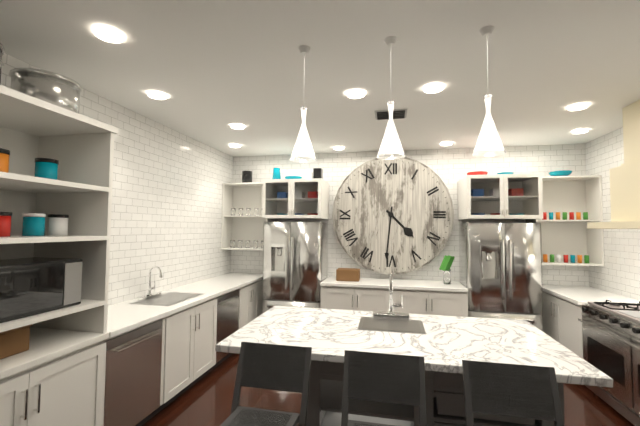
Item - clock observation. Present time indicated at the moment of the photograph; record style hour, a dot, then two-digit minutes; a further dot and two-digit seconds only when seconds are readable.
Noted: 4.31
